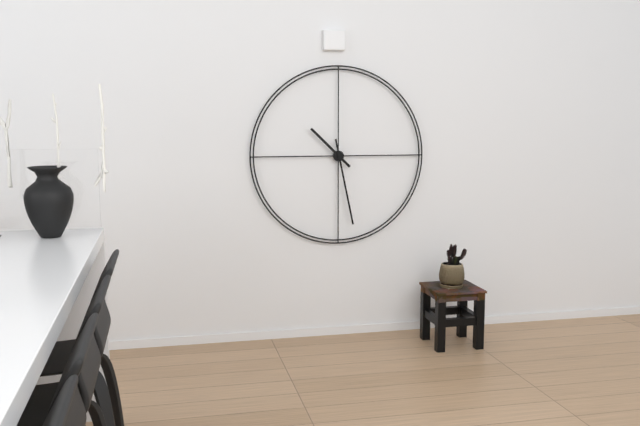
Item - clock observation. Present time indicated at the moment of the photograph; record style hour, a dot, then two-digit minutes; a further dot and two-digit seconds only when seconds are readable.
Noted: 10.28
